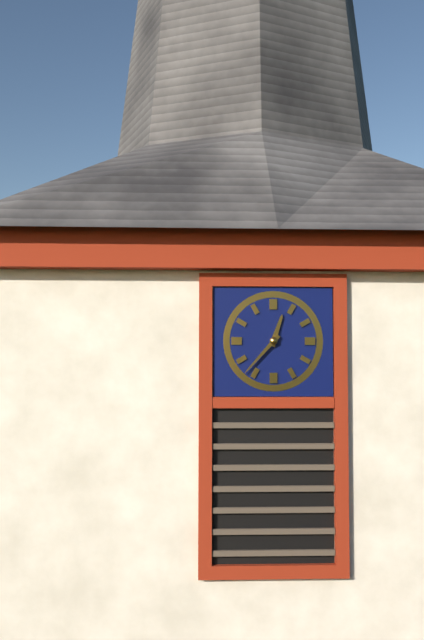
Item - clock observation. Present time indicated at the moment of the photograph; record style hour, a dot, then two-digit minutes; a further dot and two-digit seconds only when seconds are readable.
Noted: 12.37
